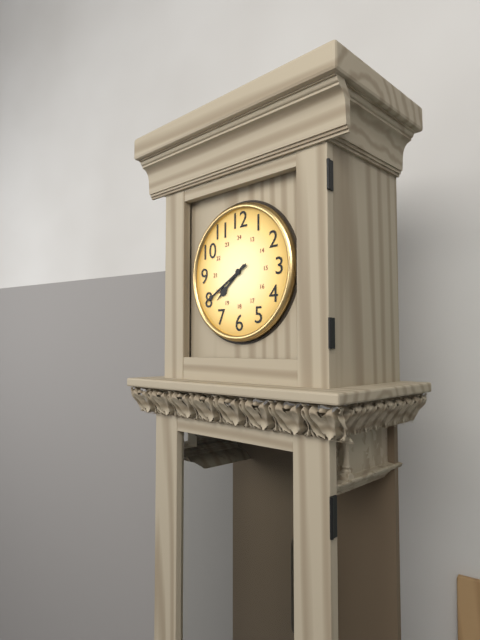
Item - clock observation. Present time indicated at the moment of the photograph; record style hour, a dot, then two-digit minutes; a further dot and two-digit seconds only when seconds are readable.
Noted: 7.40
